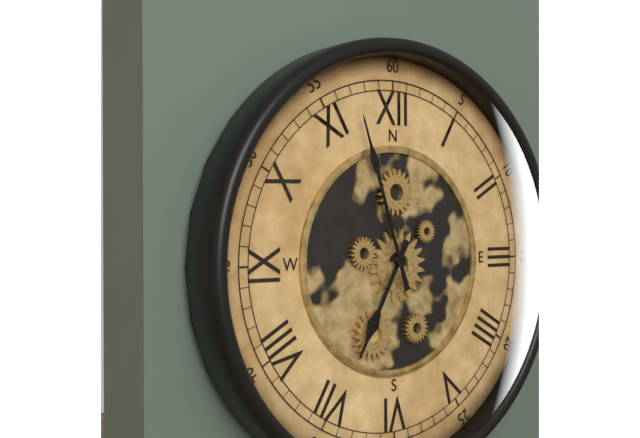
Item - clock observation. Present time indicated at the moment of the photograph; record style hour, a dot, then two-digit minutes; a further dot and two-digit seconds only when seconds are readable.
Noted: 6.57
